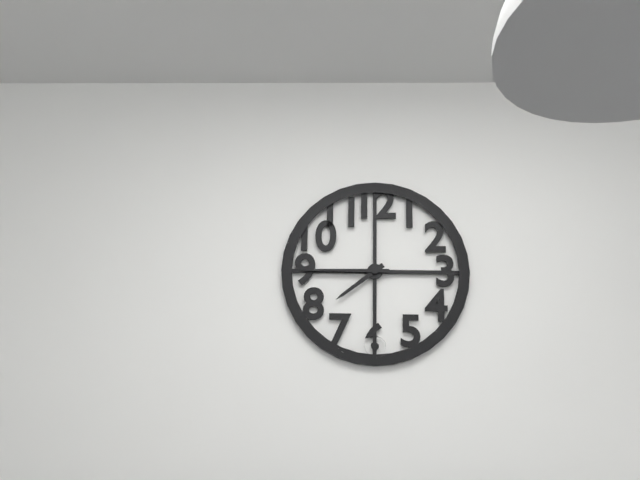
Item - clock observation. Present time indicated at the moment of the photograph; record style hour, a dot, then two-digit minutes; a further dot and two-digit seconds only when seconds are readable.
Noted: 7.45
